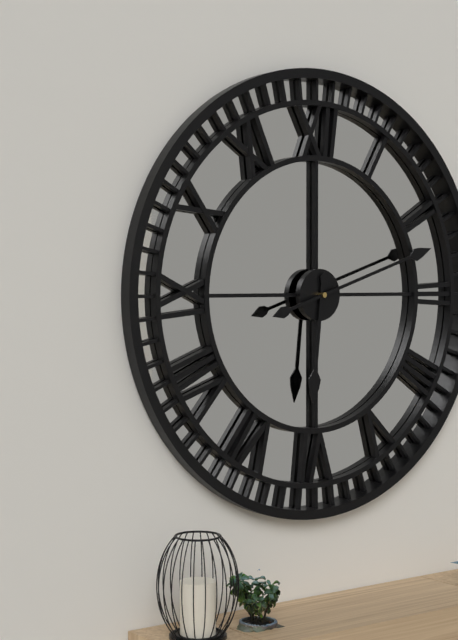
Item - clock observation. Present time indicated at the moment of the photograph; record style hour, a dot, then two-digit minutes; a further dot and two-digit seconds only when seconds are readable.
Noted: 6.12
